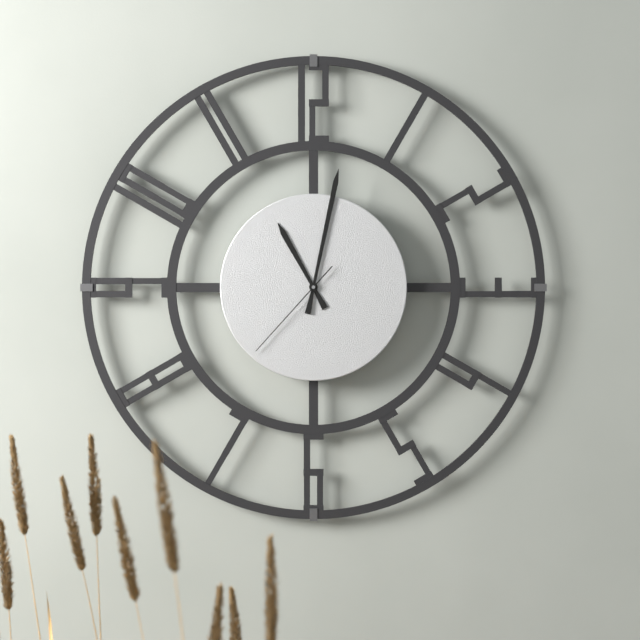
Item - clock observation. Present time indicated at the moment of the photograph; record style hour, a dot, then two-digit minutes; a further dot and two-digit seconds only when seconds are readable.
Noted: 11.02.37
